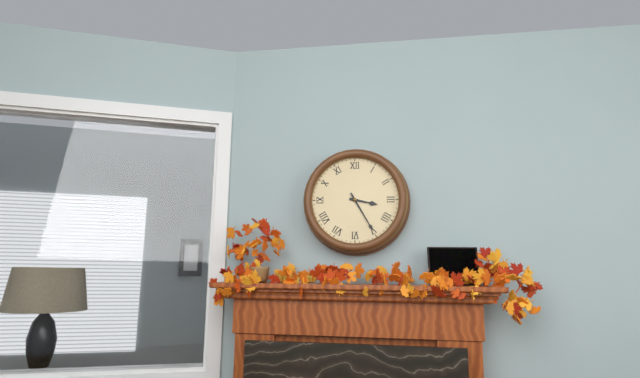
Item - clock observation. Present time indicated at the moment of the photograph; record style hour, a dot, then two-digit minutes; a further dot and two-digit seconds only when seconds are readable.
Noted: 3.25
